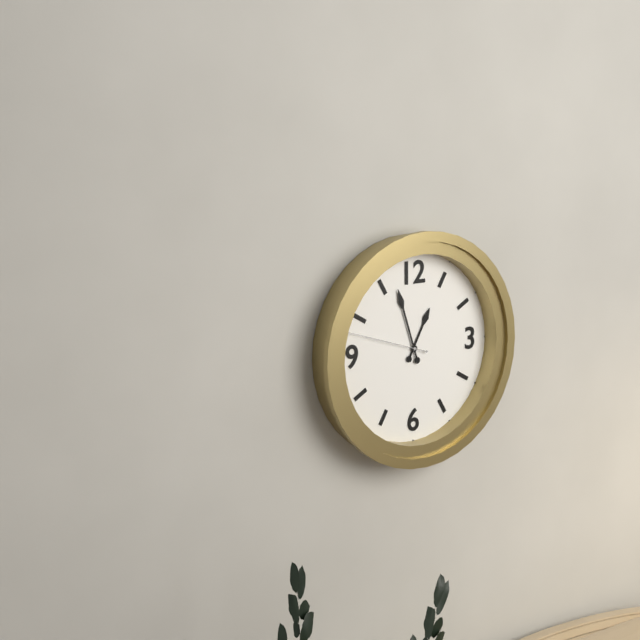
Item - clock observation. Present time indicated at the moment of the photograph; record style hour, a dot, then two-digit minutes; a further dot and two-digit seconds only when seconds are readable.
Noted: 12.57.48
